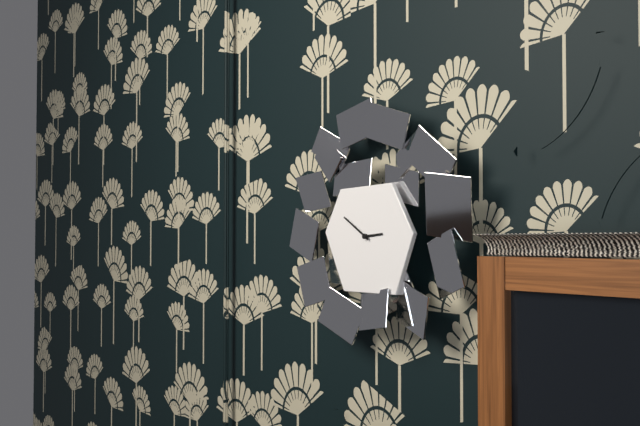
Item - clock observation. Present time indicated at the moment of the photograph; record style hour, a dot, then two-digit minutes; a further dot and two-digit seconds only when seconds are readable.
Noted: 2.50
